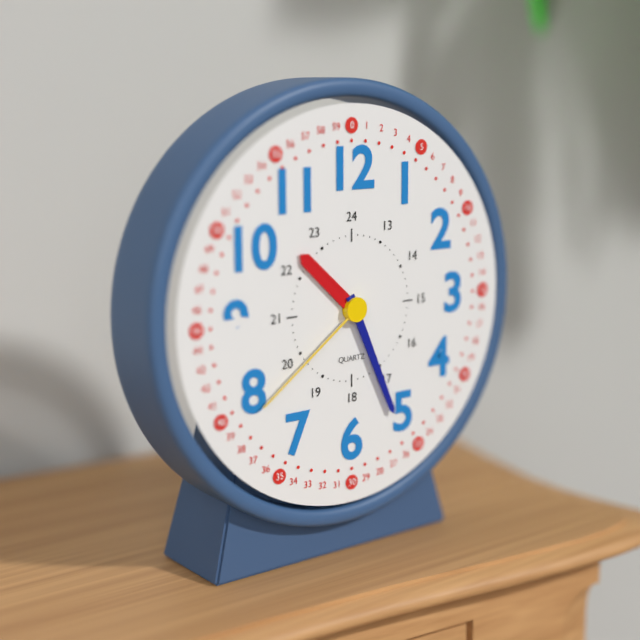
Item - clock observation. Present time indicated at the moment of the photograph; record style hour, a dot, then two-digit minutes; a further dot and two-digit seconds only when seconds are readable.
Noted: 10.26.39
